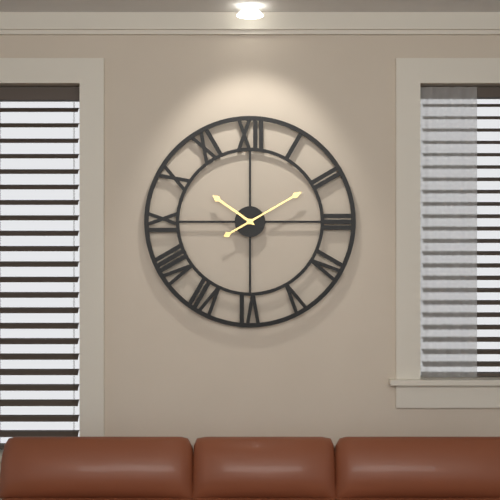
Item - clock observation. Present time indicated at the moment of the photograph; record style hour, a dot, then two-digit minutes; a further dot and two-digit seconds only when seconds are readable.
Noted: 10.10
